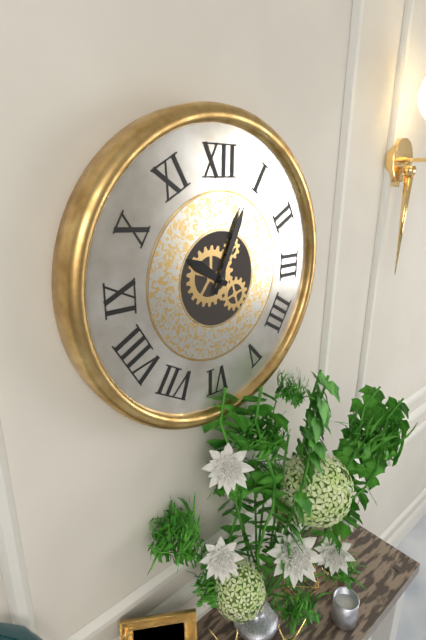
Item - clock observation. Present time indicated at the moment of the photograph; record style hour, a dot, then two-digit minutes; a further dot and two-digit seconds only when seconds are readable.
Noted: 10.04
